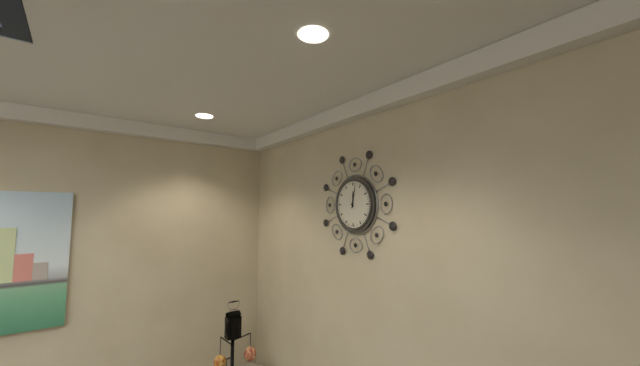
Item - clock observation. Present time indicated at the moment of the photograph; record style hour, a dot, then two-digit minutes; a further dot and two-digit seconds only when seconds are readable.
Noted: 12.02
